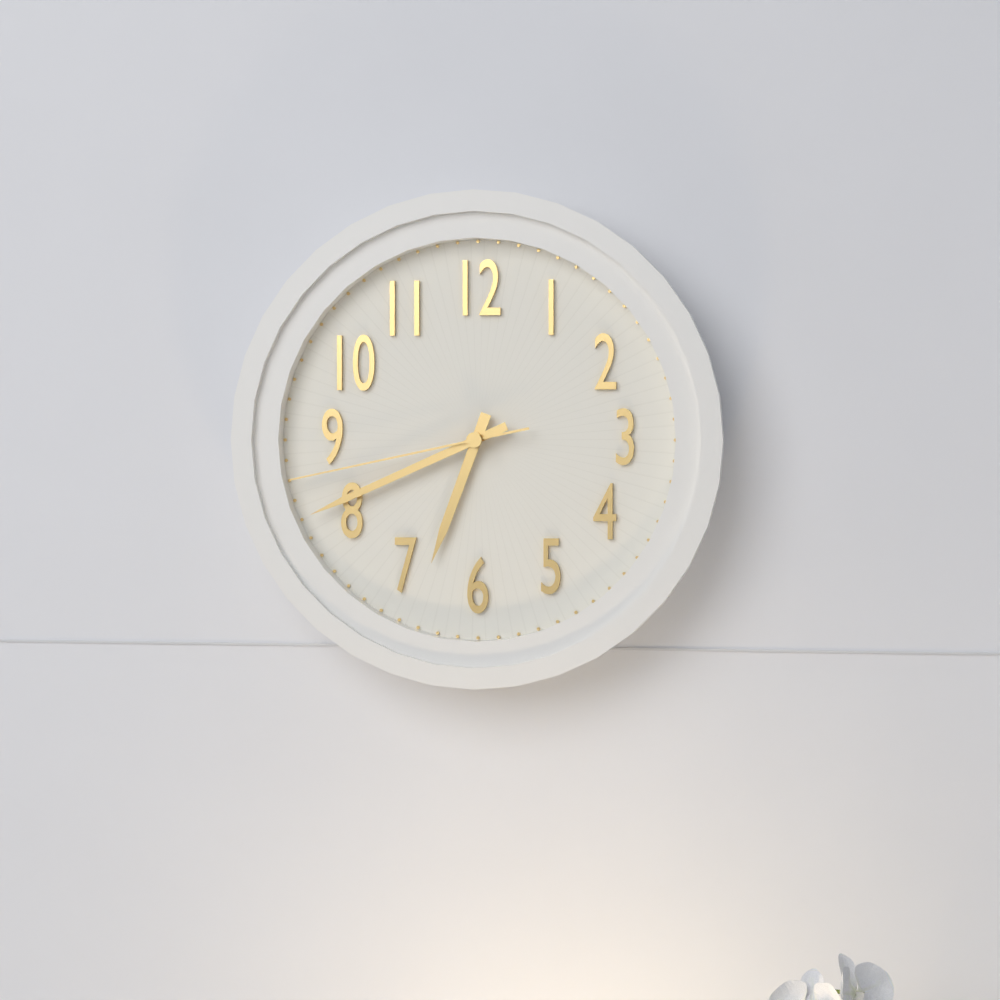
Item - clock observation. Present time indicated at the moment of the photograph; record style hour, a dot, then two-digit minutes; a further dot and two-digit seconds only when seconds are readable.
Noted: 6.41.43
